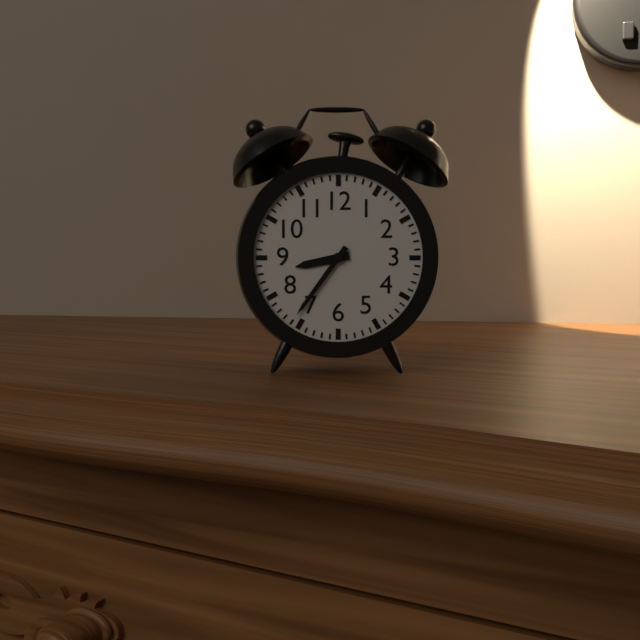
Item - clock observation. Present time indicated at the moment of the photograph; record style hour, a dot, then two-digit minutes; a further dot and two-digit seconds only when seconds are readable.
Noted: 8.36
